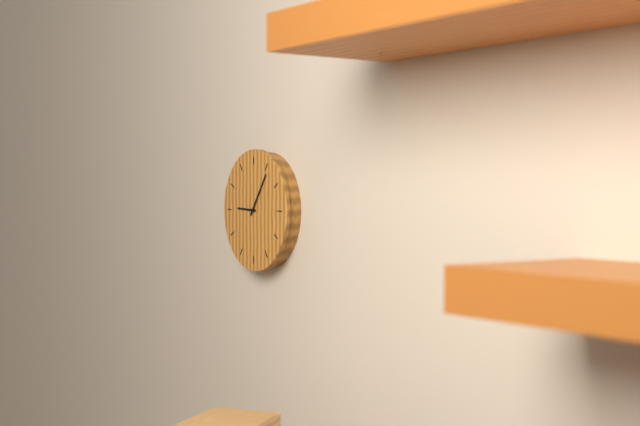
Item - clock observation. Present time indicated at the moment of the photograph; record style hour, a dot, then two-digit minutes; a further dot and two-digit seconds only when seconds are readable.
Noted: 9.06
